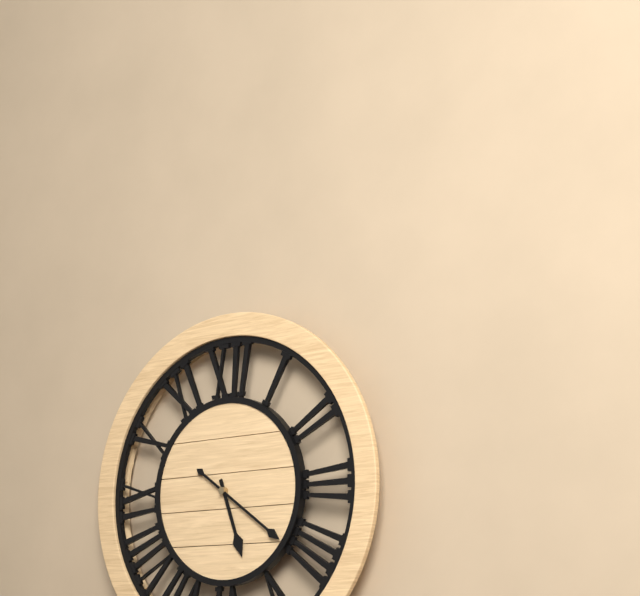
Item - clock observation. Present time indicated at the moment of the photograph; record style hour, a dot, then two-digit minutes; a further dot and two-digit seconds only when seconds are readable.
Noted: 5.21
